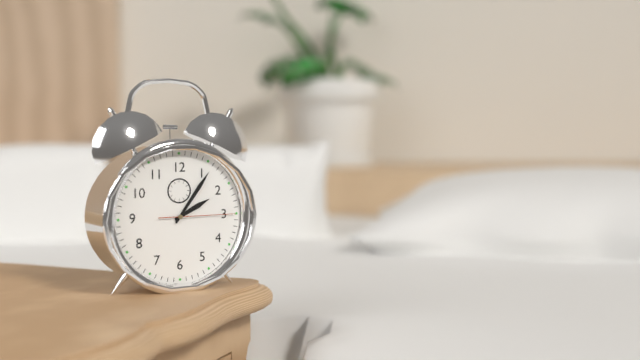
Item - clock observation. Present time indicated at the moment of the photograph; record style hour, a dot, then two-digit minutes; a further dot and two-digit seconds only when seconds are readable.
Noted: 2.06.15
